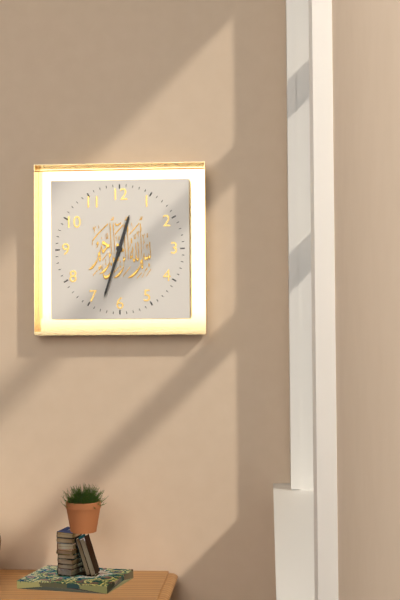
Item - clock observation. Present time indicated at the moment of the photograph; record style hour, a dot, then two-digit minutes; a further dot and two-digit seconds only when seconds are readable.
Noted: 12.33
